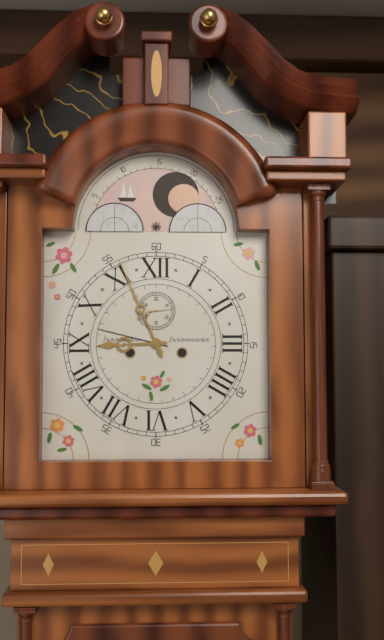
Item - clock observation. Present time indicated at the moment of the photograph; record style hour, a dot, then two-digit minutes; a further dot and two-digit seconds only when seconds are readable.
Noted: 8.56
